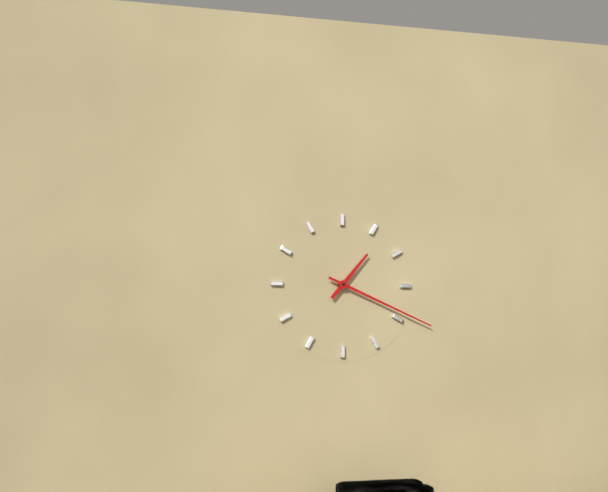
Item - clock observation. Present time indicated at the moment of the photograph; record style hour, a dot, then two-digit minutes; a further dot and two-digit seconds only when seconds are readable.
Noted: 1.19
